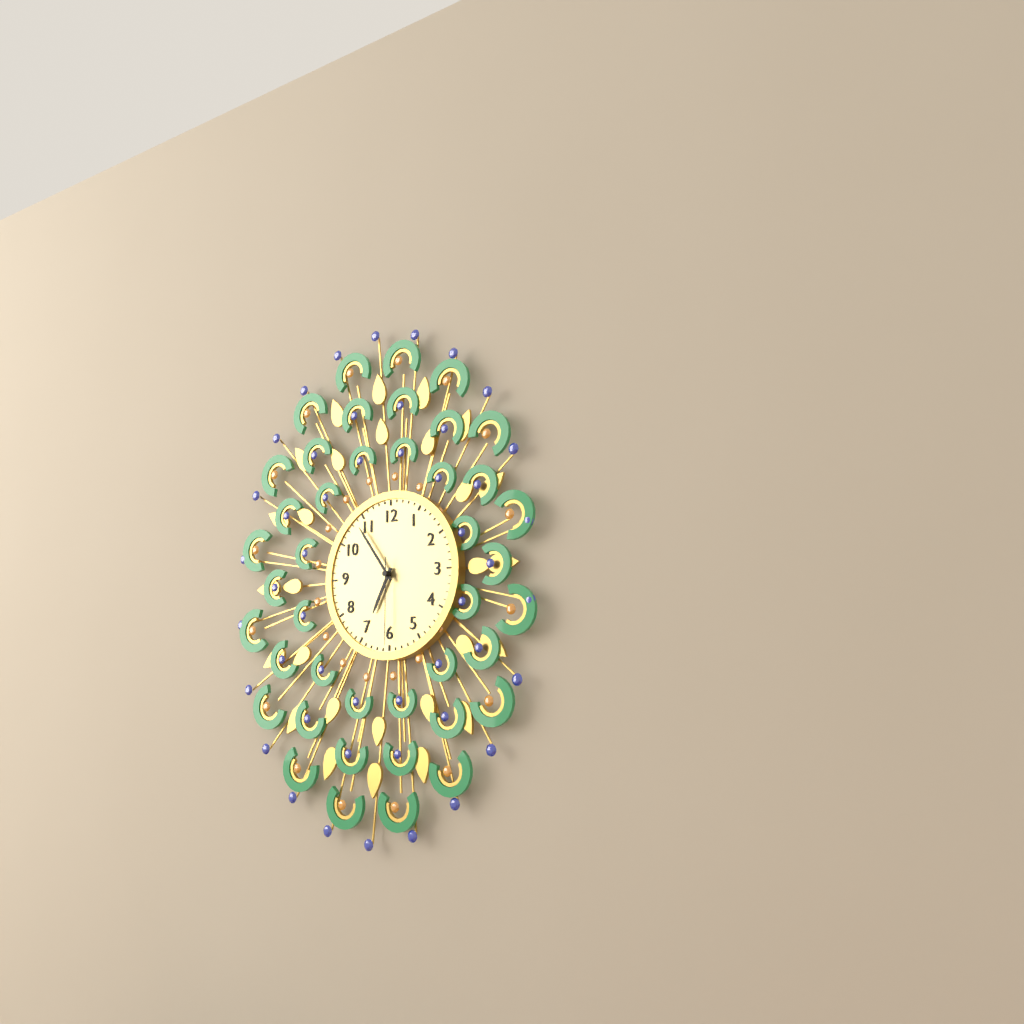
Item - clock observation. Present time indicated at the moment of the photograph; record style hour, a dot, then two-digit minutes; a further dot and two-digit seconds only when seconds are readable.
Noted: 6.54.30
